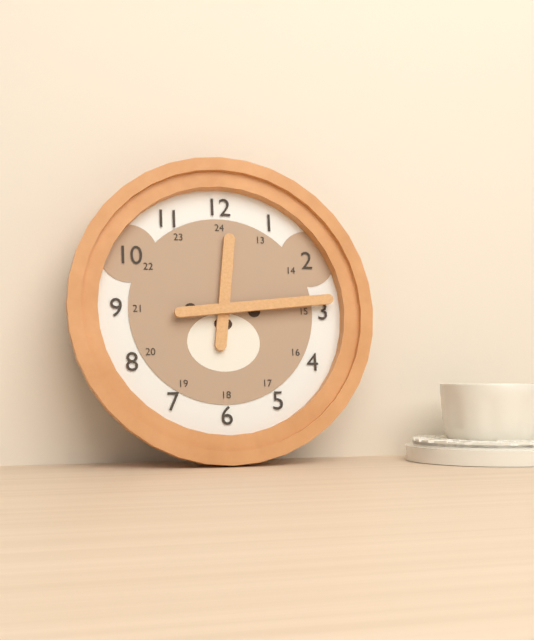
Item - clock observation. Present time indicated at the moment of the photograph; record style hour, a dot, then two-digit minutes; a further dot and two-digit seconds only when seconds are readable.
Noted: 12.14
